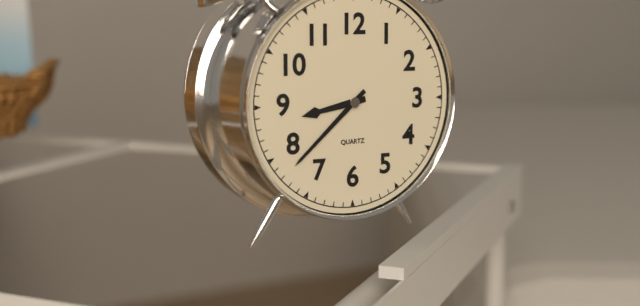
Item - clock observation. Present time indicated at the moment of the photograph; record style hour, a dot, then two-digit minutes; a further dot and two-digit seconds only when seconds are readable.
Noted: 8.38
